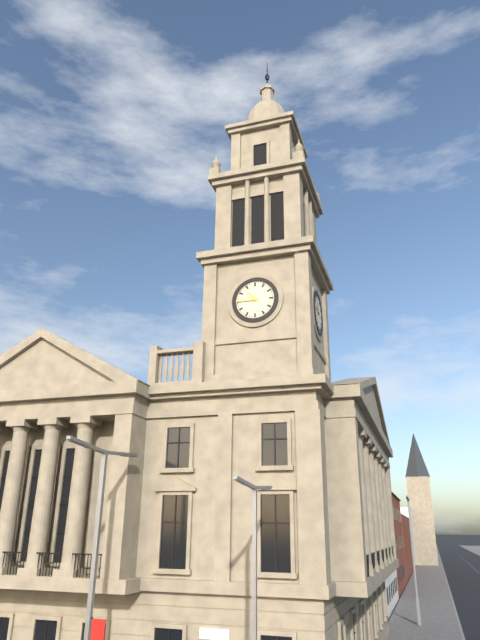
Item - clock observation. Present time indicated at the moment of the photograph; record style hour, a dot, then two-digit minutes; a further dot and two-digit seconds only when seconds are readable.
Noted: 10.45
